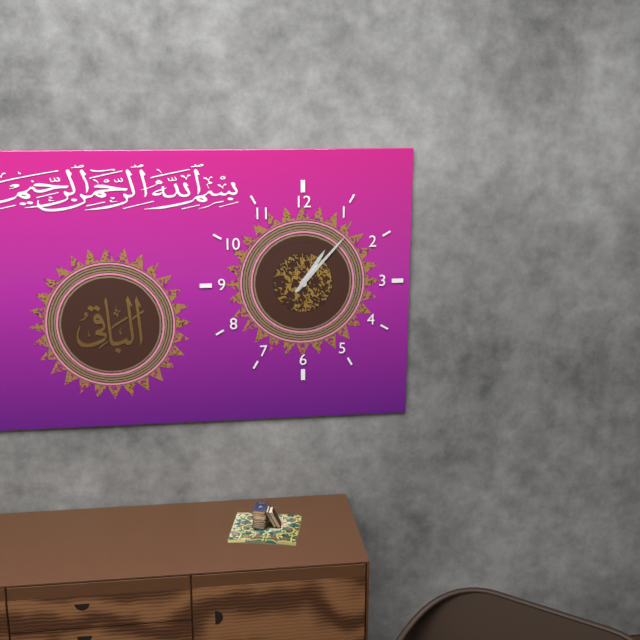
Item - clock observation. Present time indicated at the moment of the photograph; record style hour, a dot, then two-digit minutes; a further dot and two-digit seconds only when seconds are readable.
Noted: 1.07
